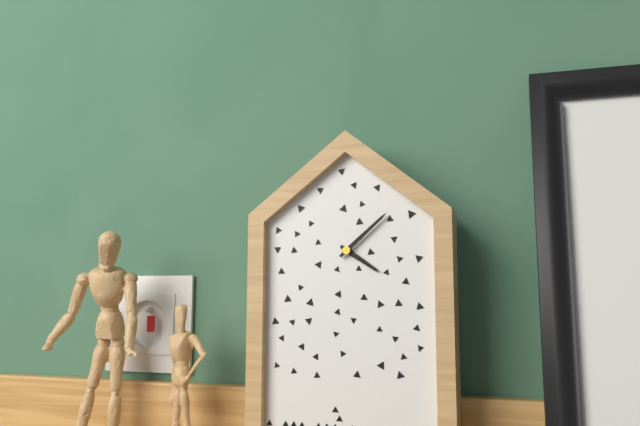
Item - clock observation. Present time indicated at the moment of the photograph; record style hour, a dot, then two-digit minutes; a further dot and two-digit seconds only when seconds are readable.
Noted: 4.08
